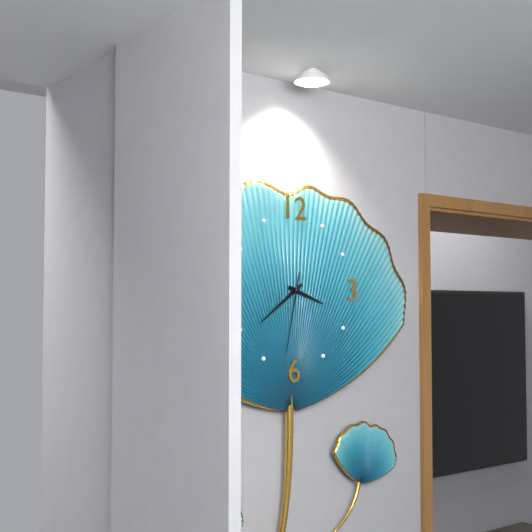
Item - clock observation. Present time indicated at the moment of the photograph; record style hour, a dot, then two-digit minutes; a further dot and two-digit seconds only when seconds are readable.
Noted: 3.39.32
